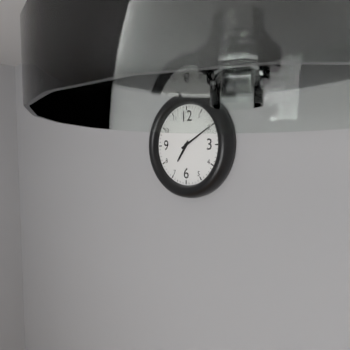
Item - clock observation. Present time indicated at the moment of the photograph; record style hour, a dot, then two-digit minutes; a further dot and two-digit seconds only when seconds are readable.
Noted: 7.10
